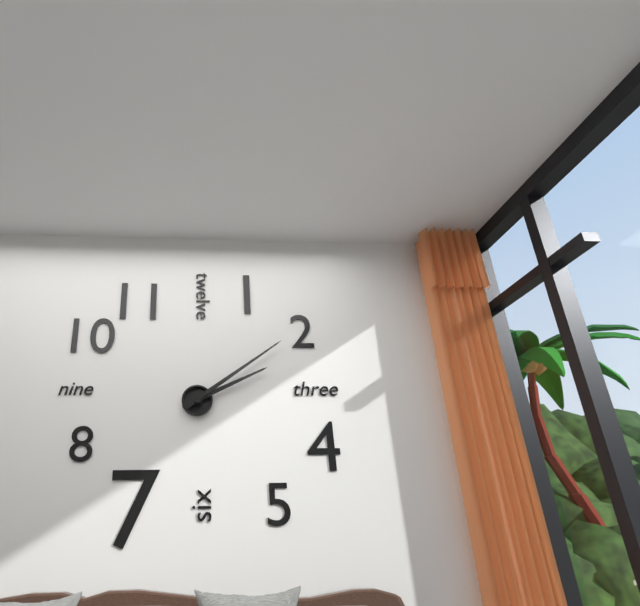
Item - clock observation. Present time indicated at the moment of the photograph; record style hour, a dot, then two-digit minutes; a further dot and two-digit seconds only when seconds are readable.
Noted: 2.09
